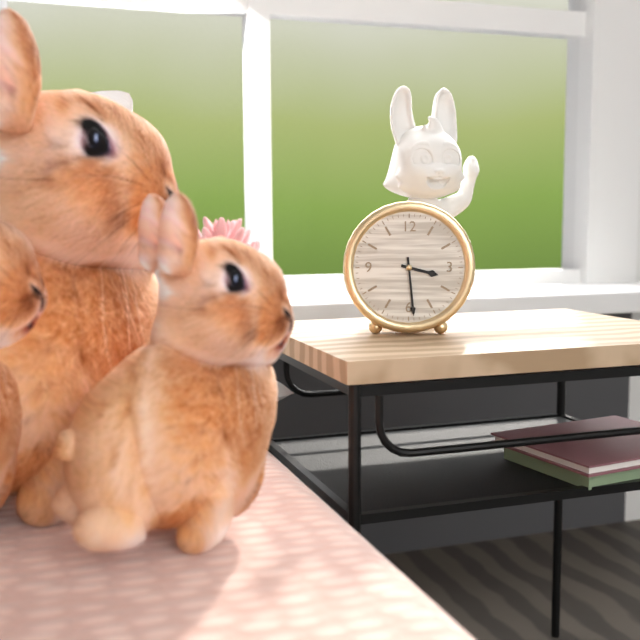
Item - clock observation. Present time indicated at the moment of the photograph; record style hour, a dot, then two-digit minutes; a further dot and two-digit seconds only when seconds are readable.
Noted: 3.29
